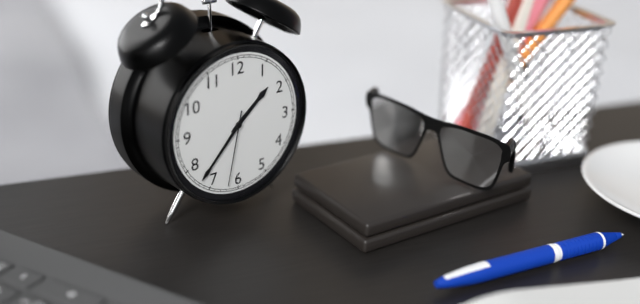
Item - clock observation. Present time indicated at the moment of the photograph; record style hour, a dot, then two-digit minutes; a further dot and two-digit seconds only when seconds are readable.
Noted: 1.37.32
